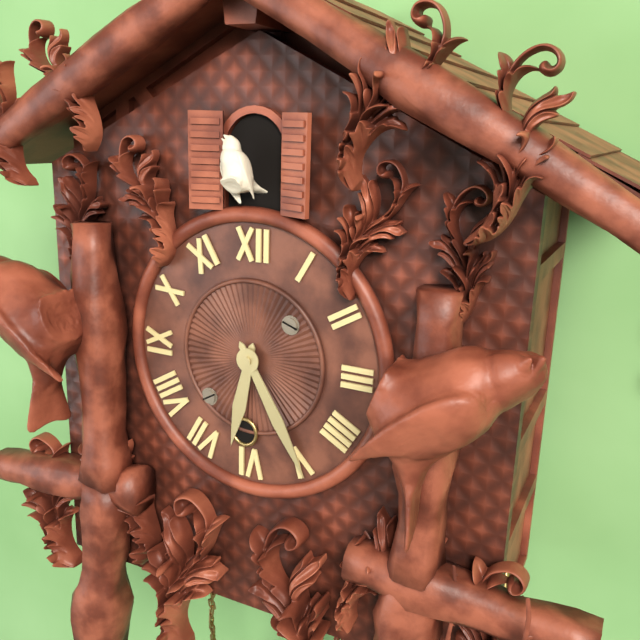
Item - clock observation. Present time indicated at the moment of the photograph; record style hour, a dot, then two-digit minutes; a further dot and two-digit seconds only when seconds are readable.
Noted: 6.25
